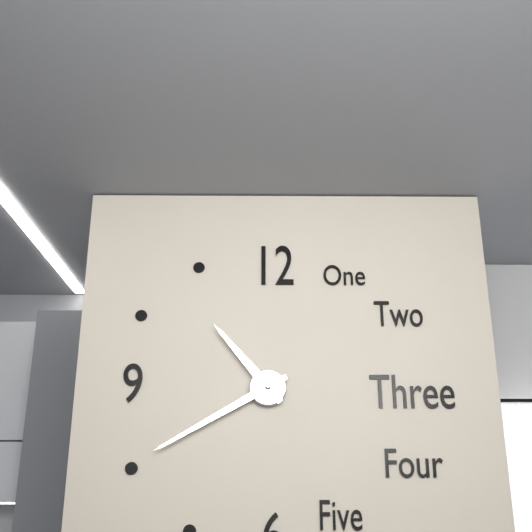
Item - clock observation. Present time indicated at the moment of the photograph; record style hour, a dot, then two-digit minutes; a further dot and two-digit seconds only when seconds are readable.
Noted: 10.40
